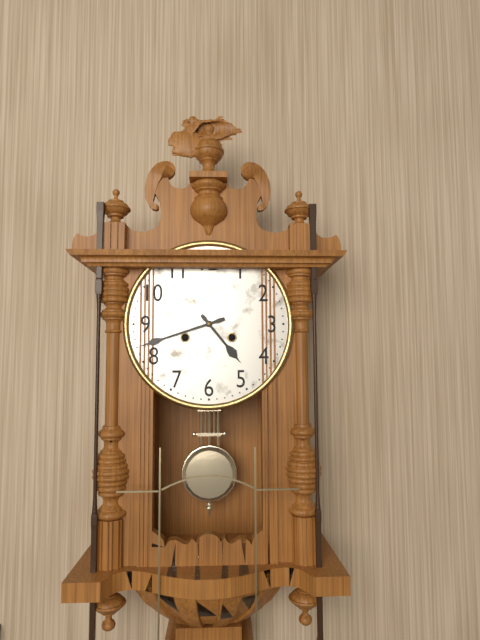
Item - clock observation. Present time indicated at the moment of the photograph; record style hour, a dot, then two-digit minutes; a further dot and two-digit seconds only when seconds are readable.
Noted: 4.42
